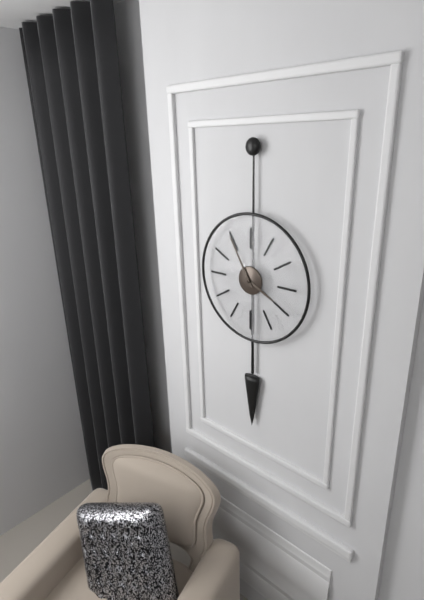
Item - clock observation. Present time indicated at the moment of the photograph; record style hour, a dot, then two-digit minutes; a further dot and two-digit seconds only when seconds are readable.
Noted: 3.55
